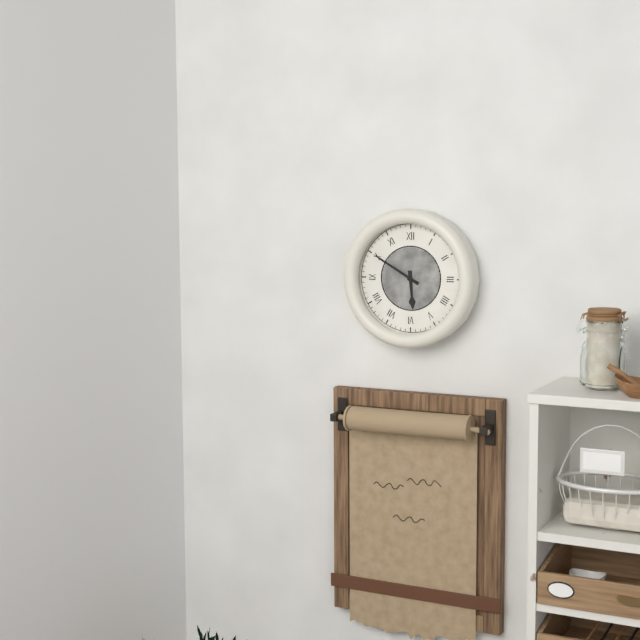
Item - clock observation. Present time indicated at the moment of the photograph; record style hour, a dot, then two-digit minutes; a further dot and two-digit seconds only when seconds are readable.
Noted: 5.50
